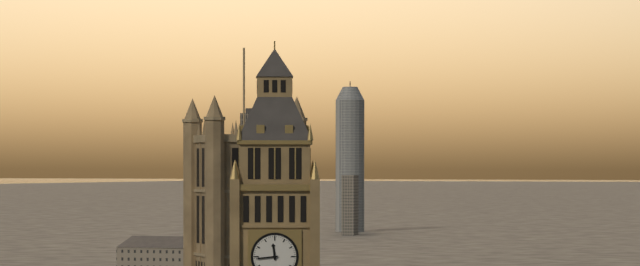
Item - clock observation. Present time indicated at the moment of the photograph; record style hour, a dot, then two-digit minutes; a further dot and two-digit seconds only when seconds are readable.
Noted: 11.44
